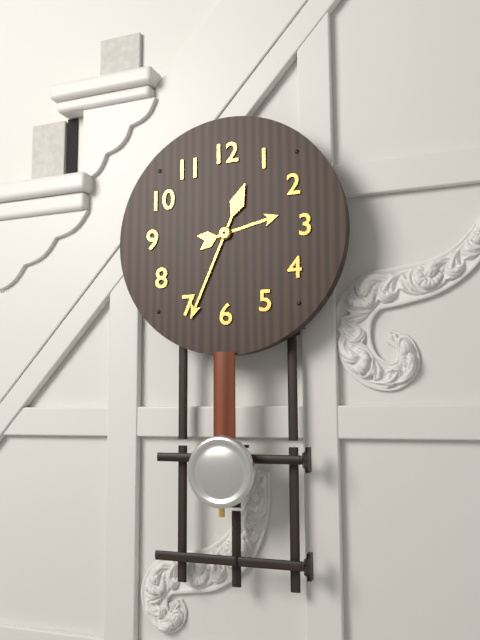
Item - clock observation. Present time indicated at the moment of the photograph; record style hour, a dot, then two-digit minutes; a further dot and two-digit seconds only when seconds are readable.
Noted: 2.34
